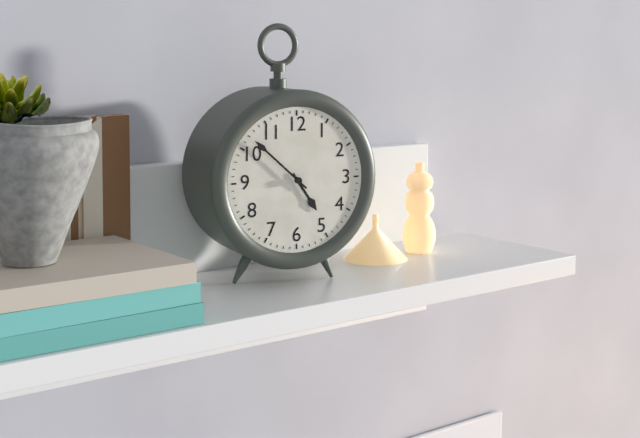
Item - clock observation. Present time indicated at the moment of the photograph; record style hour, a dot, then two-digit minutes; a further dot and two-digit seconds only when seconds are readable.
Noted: 4.52
